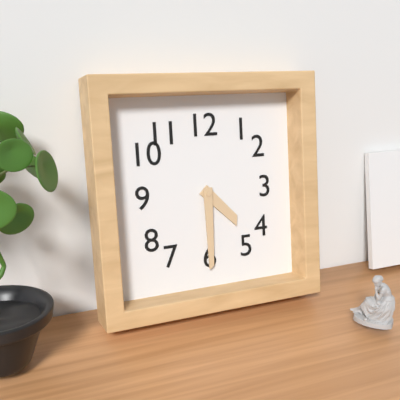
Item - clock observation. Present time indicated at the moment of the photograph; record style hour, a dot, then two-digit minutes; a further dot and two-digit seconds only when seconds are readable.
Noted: 4.30
